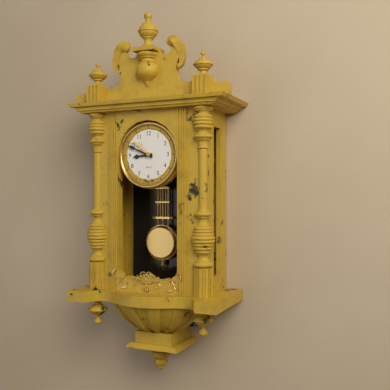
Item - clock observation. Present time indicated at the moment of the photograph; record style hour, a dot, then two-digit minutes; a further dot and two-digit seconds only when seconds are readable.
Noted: 8.49
